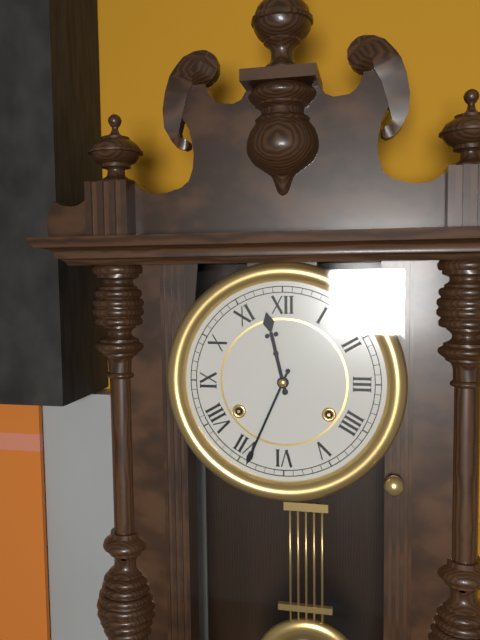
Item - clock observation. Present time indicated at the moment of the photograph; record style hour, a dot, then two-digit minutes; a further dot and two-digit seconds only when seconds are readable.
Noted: 11.34
